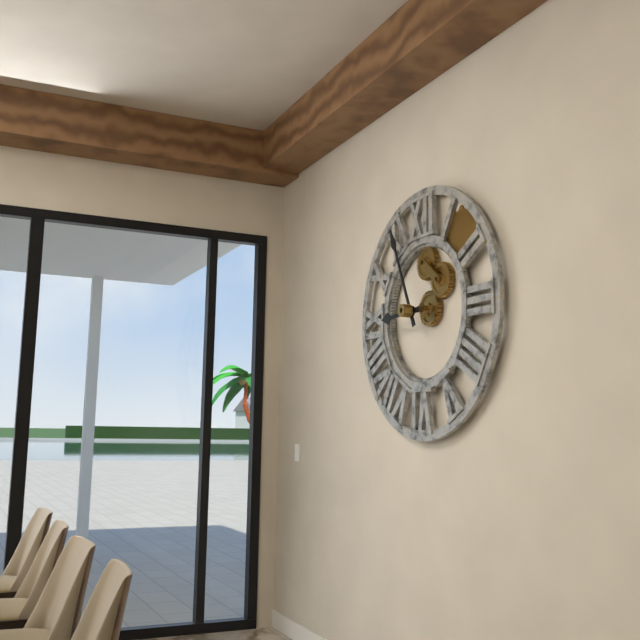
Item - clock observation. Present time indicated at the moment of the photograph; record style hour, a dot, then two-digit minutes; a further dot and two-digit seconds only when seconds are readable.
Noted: 8.56
